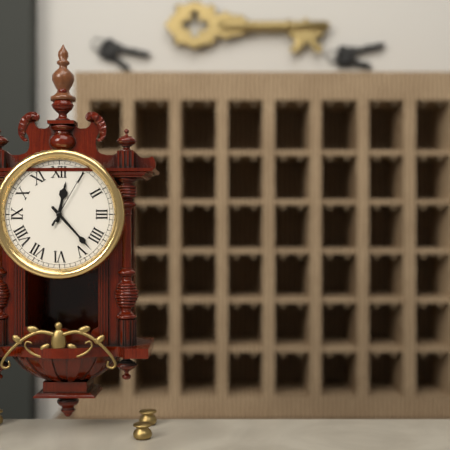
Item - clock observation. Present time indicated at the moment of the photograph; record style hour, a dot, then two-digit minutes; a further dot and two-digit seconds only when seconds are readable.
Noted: 12.23.05
